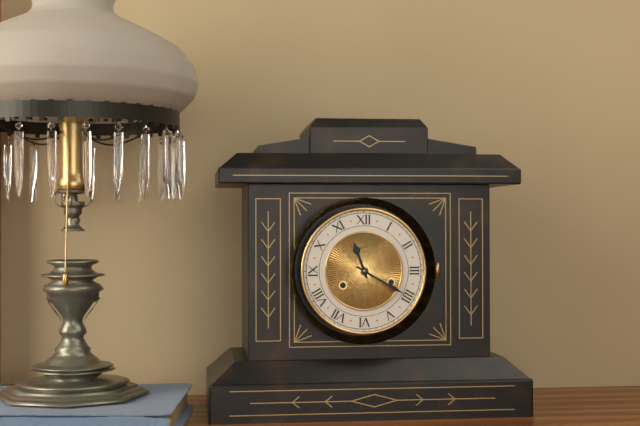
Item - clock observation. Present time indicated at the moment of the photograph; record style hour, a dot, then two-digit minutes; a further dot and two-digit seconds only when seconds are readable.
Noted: 11.20
